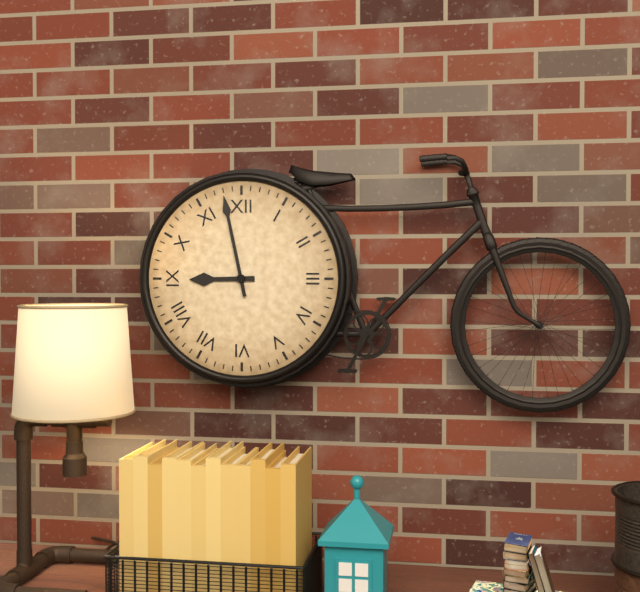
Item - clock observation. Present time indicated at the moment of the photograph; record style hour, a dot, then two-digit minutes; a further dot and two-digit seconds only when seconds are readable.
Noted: 8.58
